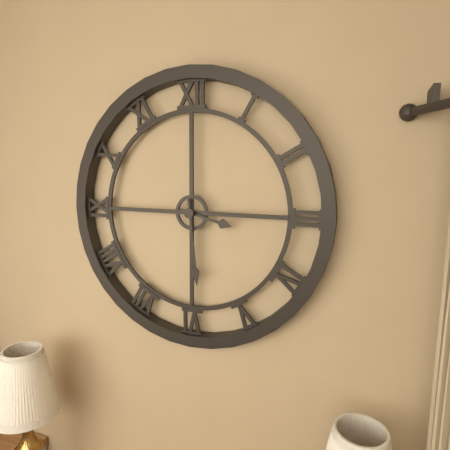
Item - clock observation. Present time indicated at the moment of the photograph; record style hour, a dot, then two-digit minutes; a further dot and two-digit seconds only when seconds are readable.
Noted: 3.29
